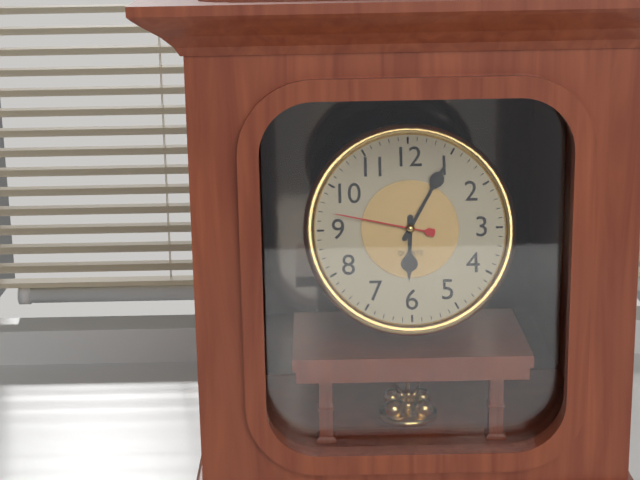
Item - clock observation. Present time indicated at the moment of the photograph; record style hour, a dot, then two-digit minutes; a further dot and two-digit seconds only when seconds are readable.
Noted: 6.05.47
